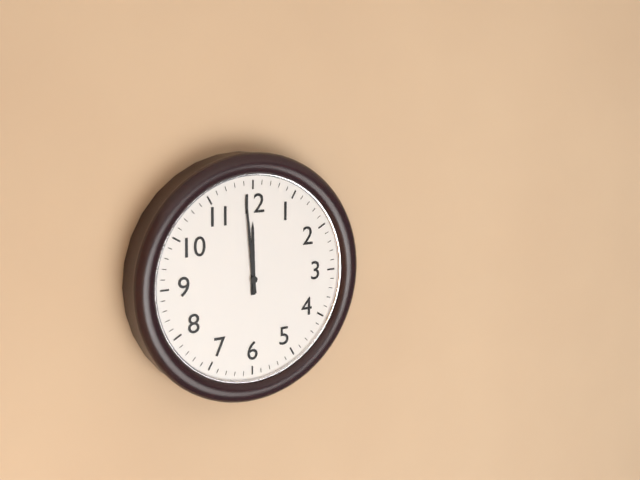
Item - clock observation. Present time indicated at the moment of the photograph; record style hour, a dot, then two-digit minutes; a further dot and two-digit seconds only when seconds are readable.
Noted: 11.59
